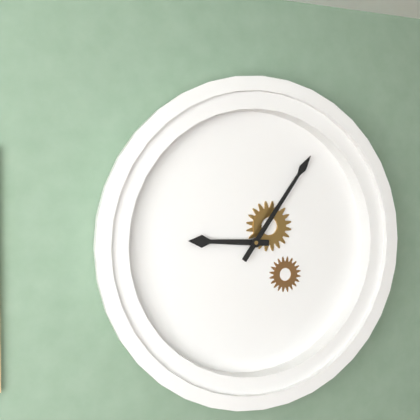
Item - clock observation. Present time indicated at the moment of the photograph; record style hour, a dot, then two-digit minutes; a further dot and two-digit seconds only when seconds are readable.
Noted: 9.06
